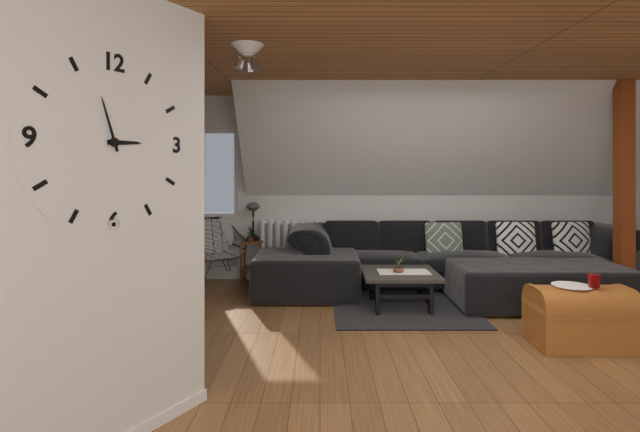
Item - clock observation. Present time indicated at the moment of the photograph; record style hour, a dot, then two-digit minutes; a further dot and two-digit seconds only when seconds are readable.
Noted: 2.57
